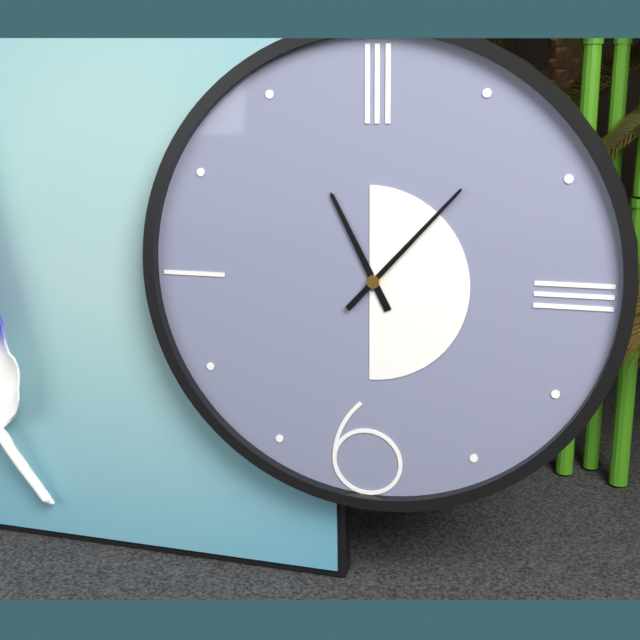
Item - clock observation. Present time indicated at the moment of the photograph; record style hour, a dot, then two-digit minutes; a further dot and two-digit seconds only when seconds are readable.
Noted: 11.07
